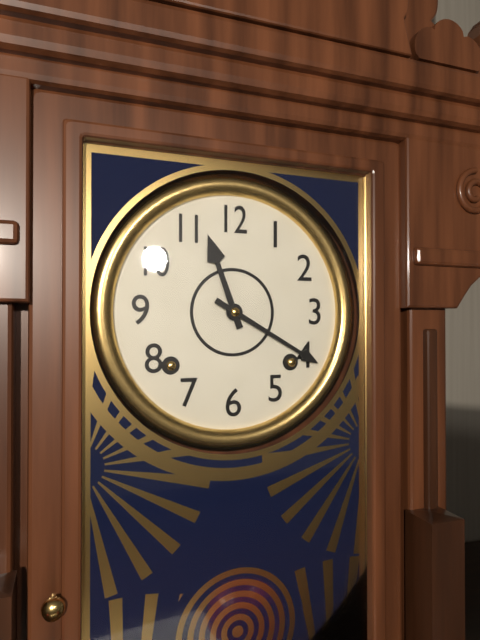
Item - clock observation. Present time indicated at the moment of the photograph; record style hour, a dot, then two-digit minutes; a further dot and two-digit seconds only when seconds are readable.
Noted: 11.20
